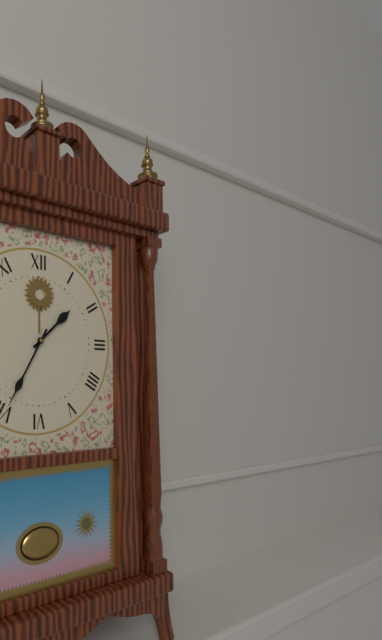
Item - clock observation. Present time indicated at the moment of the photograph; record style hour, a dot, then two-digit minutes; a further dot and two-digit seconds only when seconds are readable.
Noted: 1.35
